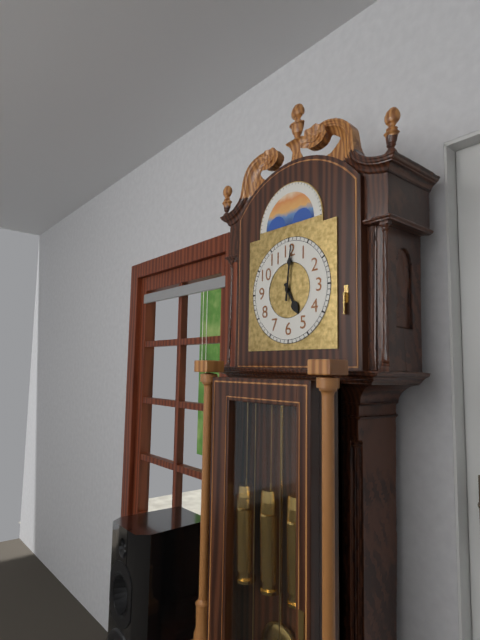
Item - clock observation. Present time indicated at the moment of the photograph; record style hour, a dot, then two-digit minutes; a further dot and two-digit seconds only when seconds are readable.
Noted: 5.01
